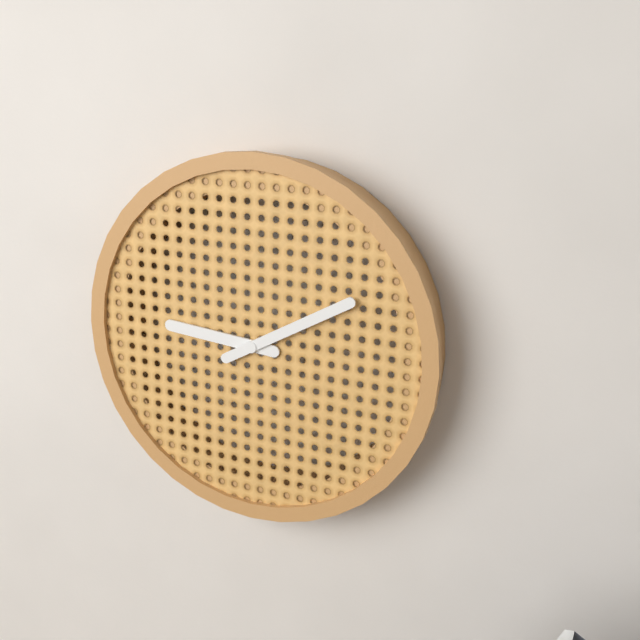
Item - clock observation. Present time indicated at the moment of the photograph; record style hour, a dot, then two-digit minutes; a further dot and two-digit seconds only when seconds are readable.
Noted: 9.10
